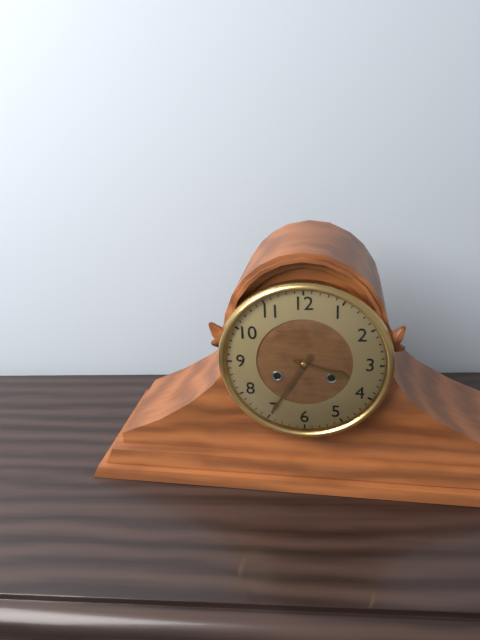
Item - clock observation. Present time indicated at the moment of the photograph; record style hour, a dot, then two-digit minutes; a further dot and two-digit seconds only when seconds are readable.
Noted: 3.35
